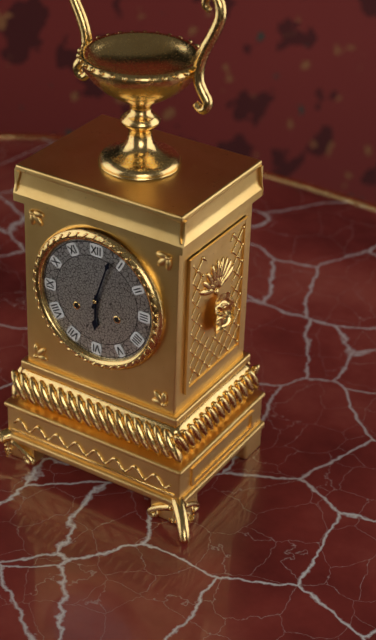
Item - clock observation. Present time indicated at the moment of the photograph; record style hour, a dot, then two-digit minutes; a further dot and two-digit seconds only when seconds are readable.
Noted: 6.03
